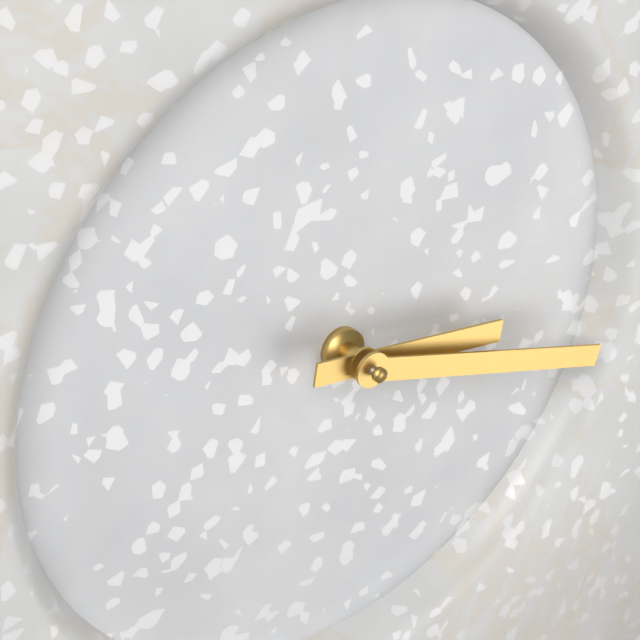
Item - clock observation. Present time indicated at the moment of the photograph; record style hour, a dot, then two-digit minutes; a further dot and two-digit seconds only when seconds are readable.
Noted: 3.18
